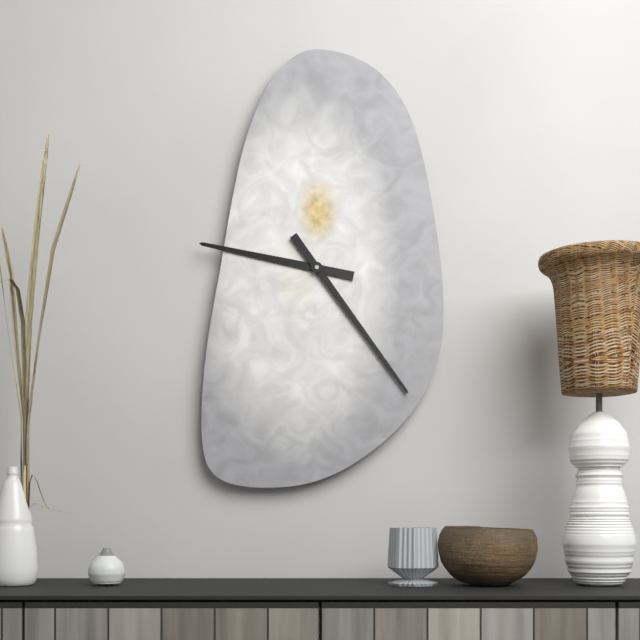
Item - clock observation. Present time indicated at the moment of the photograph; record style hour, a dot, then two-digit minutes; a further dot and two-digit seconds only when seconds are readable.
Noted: 9.24
